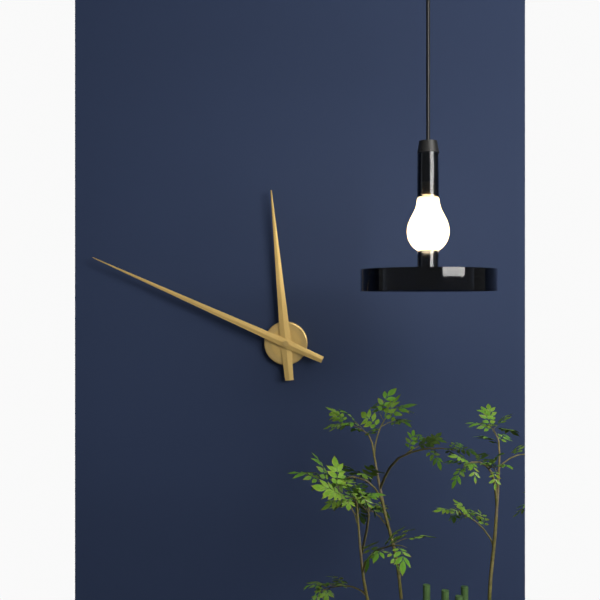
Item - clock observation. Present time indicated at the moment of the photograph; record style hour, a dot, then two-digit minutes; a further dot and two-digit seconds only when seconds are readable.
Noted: 11.49
